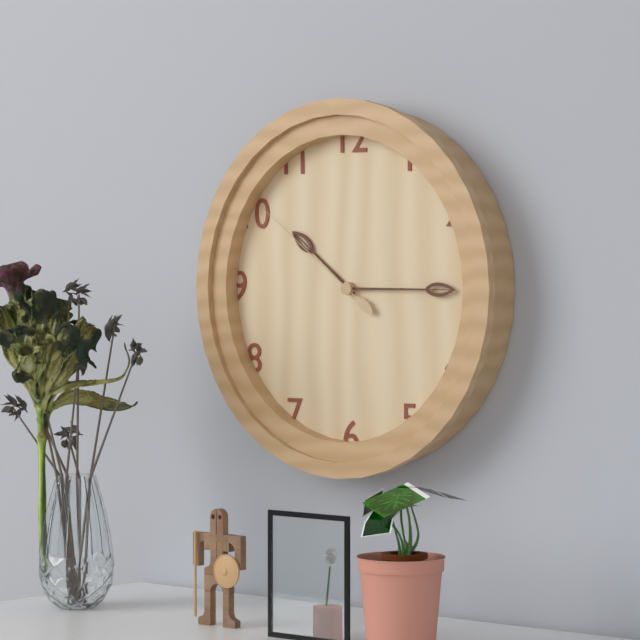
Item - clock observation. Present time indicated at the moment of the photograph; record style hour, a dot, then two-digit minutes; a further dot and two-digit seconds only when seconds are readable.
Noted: 10.15.51
